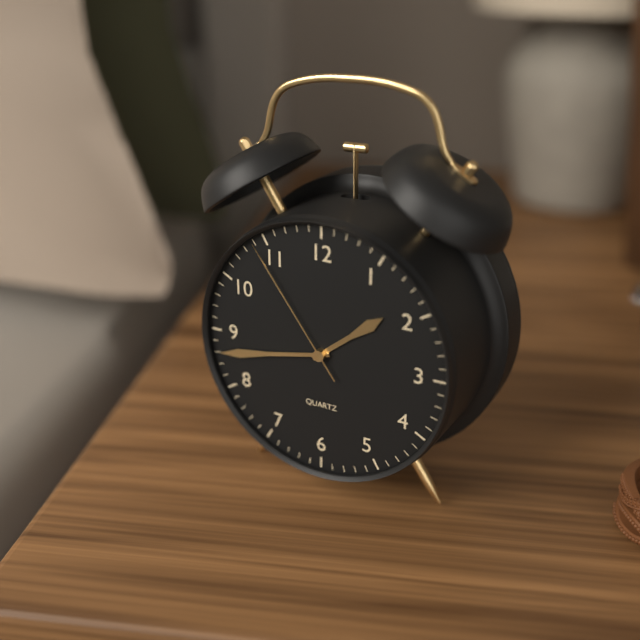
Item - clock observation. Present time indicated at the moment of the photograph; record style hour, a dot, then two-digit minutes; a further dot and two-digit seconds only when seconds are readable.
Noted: 1.43.54
